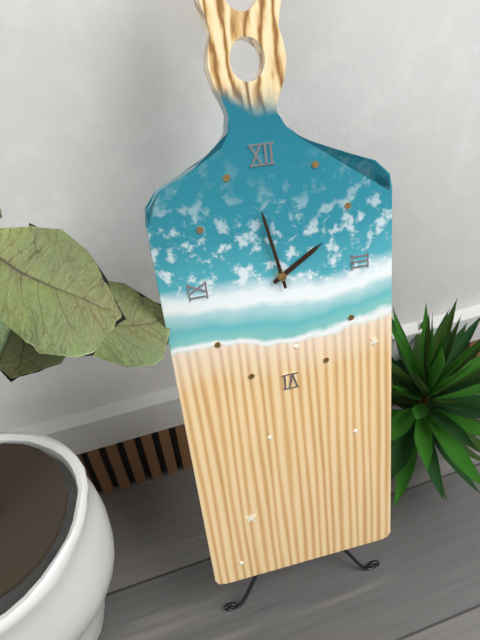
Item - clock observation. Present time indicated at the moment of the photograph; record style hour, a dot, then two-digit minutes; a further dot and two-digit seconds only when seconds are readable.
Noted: 1.58
